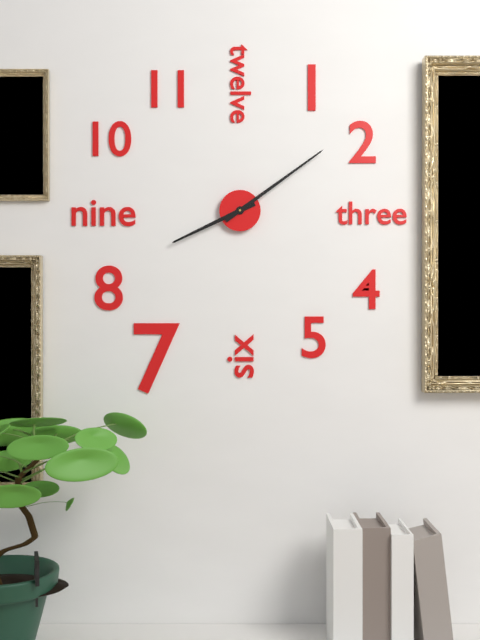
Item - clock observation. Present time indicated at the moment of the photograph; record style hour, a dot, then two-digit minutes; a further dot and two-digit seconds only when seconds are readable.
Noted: 8.09
